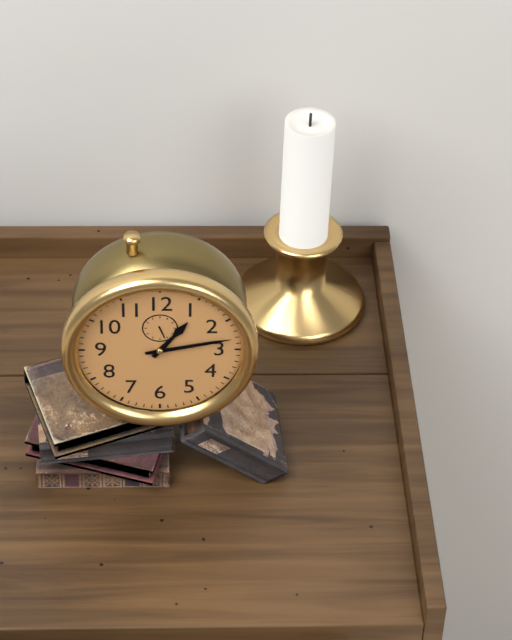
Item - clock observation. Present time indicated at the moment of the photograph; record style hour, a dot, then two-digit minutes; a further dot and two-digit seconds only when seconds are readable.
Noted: 1.13
